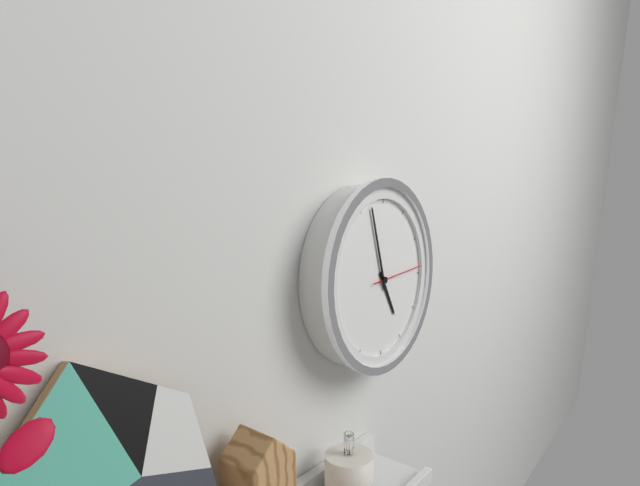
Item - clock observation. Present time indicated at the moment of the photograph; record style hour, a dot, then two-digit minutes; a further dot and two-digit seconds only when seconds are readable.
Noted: 4.57
